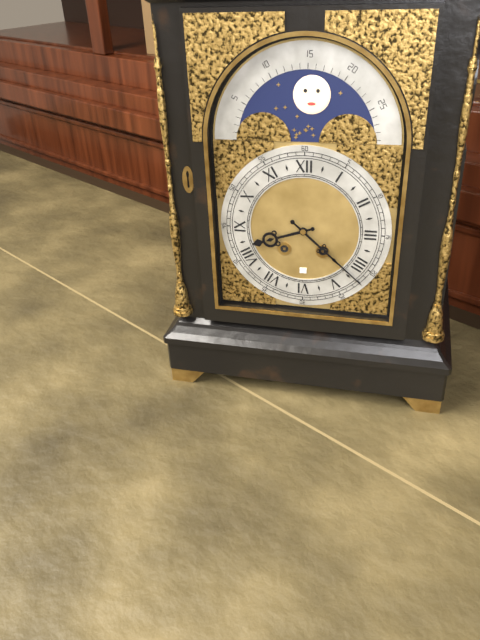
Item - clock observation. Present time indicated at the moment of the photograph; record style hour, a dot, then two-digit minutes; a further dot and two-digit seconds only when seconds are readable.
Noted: 8.22
